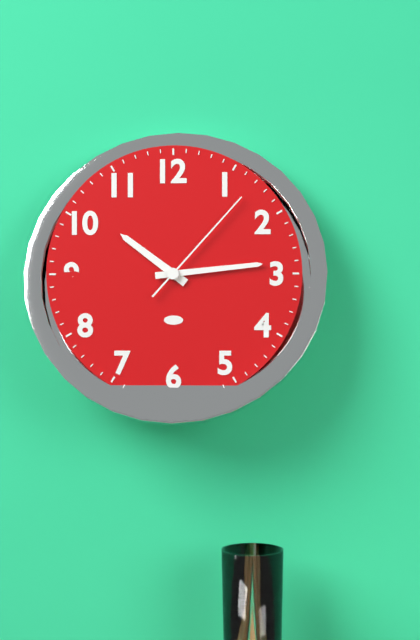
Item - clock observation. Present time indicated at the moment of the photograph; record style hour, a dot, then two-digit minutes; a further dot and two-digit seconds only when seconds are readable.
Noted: 10.14.07
